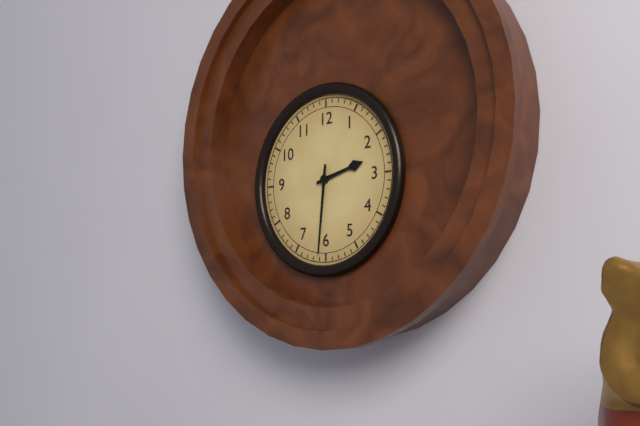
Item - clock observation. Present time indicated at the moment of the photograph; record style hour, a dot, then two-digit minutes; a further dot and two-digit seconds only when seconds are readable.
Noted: 2.31
